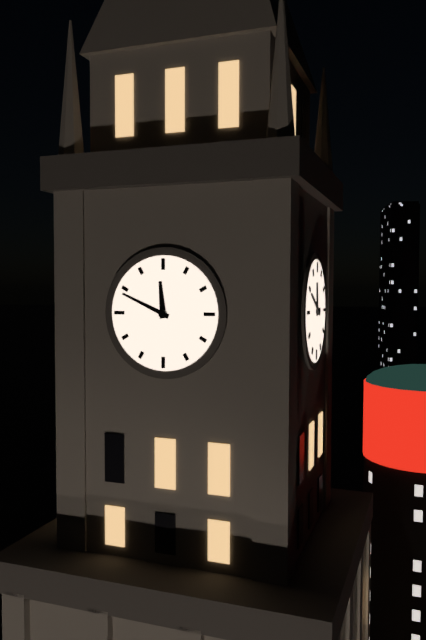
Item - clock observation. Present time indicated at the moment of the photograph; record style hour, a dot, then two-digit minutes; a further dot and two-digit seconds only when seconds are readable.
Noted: 11.49
